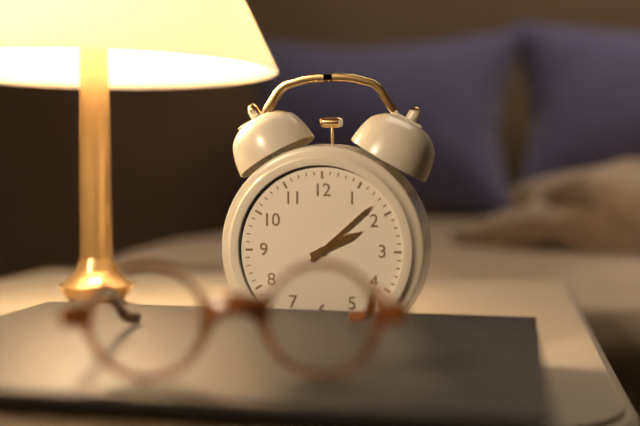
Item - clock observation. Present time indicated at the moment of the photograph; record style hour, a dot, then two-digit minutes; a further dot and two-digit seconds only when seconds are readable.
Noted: 2.08
